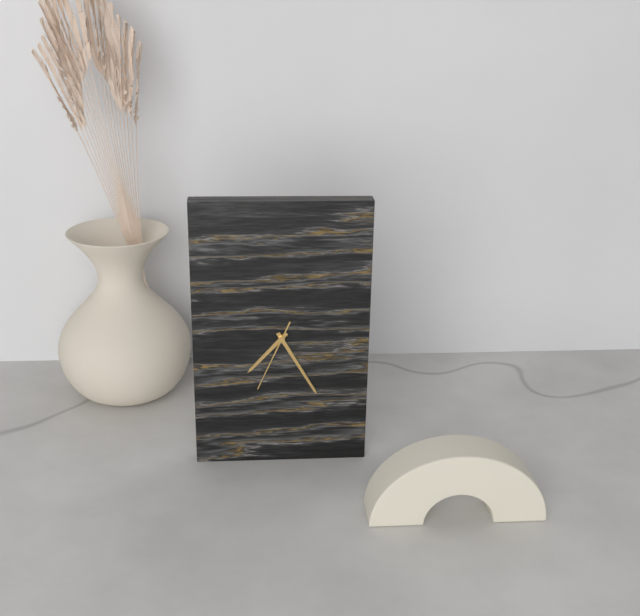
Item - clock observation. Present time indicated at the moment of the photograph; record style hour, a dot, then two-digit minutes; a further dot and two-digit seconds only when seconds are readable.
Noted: 7.25.34
